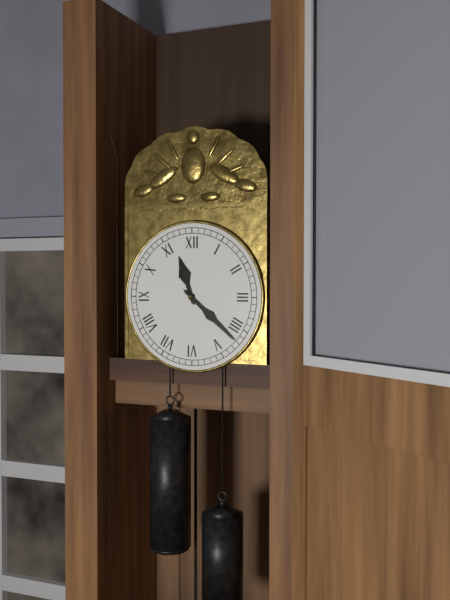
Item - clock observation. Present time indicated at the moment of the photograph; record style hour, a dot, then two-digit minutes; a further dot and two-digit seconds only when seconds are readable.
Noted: 11.22
